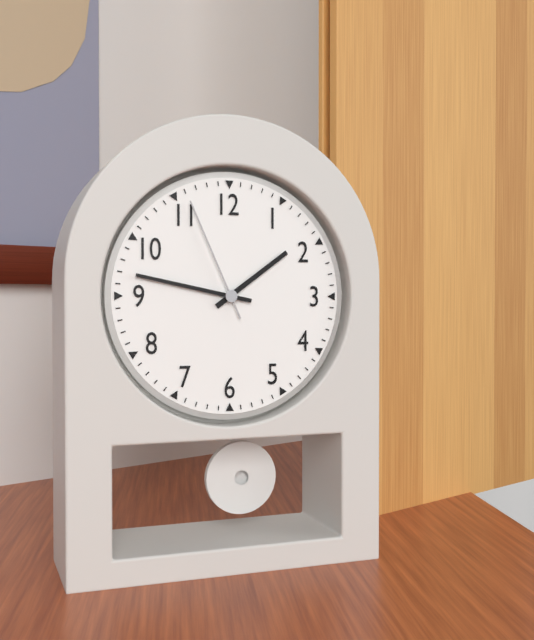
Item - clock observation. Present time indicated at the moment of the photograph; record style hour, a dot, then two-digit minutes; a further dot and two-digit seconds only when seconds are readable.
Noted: 1.47.56
